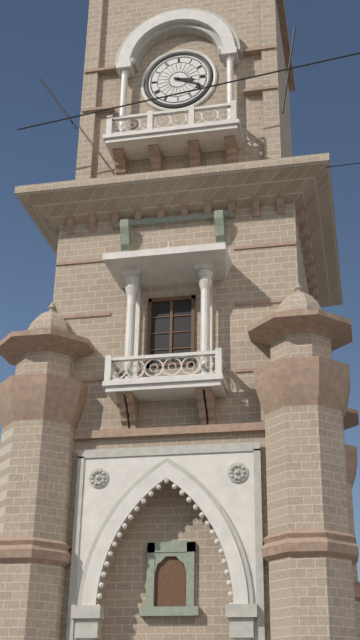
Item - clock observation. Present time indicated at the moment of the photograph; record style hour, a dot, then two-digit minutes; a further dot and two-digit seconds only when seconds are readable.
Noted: 3.19
